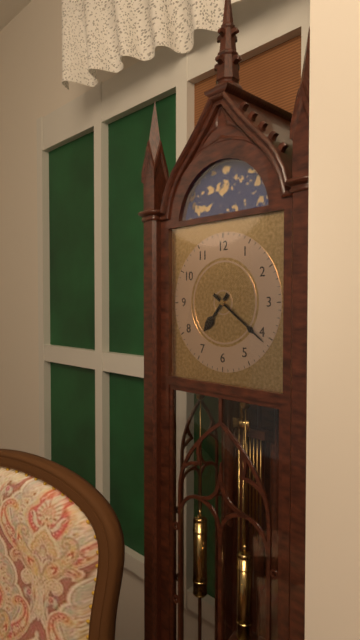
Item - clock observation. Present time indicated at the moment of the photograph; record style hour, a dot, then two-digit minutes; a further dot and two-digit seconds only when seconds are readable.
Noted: 7.21
